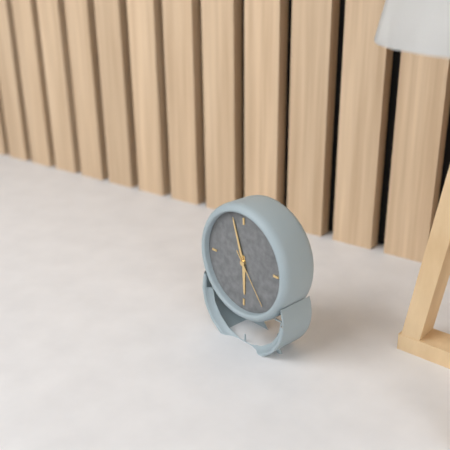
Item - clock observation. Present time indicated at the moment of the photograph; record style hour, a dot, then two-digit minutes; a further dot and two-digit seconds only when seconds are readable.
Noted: 5.57.24
